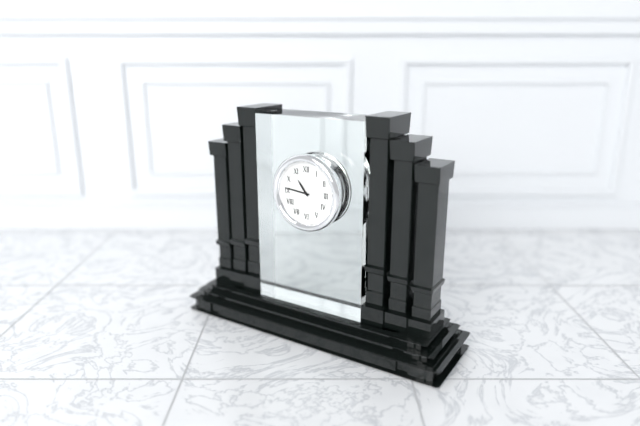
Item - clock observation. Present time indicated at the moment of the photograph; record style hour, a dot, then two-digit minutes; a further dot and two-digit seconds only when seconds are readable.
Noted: 10.46
